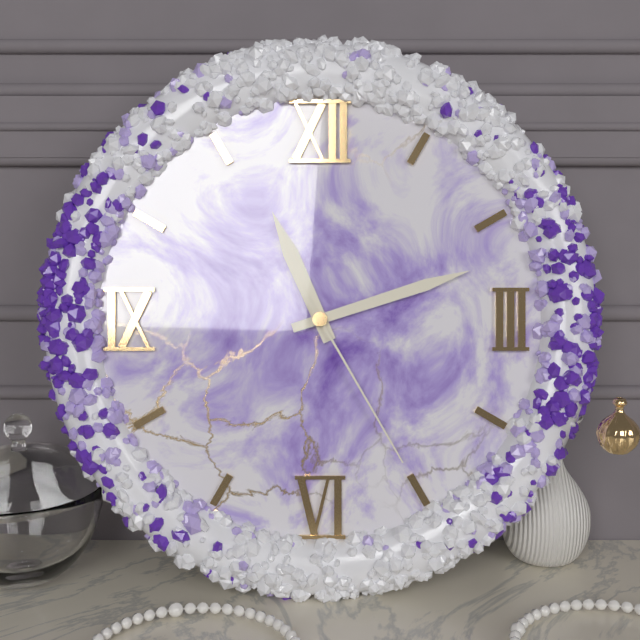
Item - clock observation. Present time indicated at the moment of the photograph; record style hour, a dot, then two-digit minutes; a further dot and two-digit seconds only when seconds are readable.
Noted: 11.12.25
